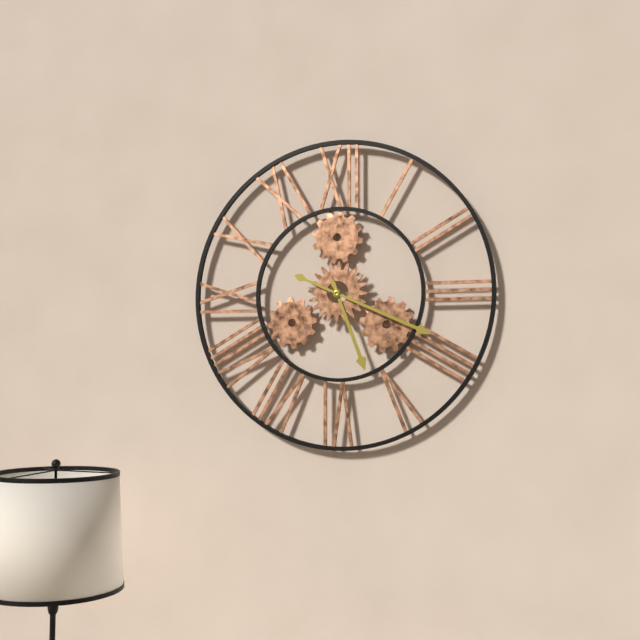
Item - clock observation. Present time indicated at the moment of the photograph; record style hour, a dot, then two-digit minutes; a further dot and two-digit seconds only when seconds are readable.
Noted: 5.19
